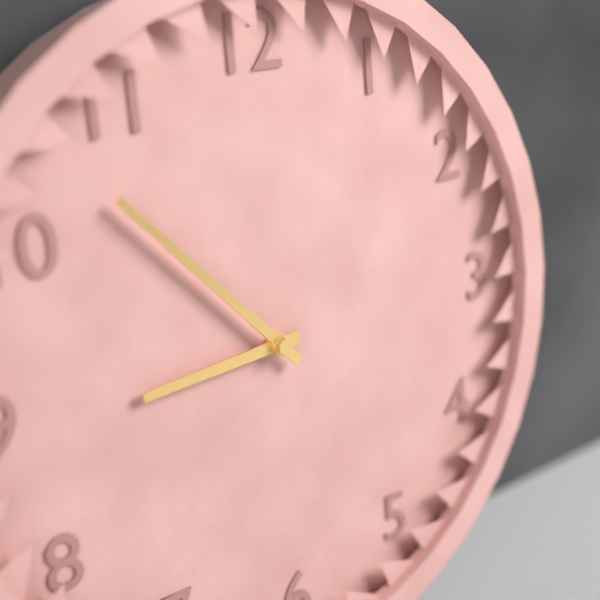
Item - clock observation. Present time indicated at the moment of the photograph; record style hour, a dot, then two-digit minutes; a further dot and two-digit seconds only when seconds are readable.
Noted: 8.53
